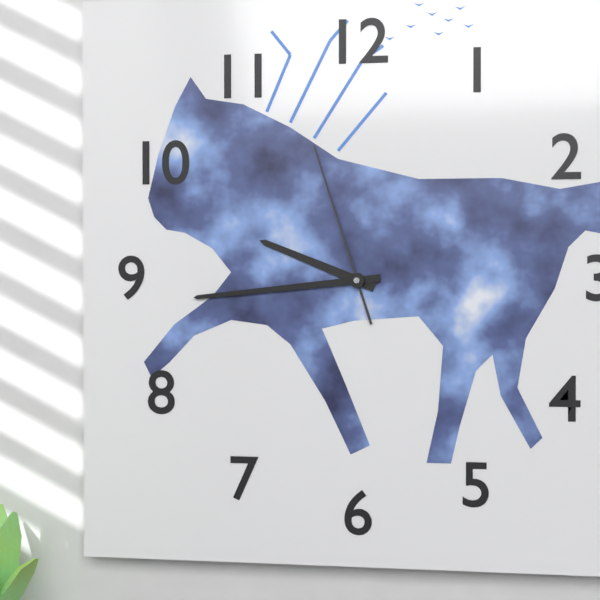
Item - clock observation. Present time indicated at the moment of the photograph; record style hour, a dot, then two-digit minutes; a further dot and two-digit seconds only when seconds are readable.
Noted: 9.44.57
